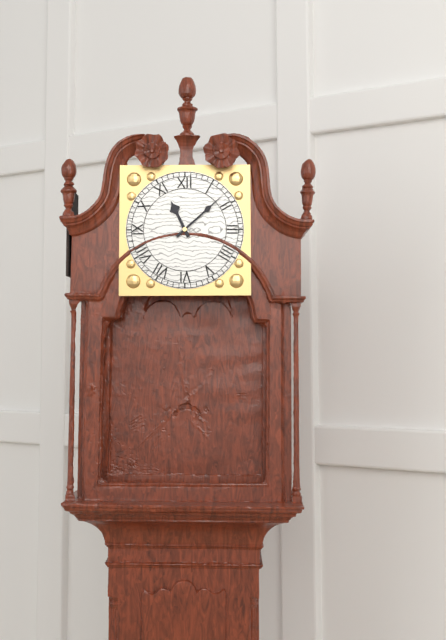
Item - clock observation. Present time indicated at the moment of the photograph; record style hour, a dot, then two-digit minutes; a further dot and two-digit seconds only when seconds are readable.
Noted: 11.08
